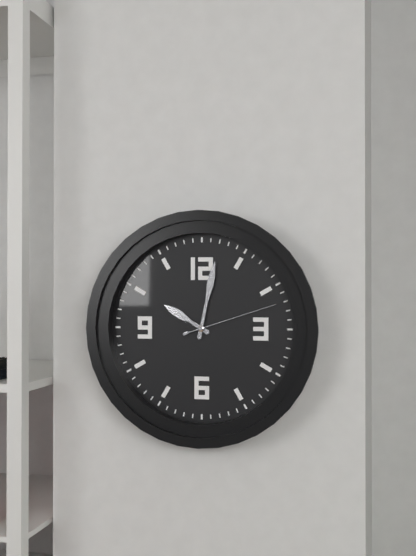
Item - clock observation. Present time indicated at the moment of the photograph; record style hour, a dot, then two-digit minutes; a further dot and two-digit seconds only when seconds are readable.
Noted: 10.02.12
